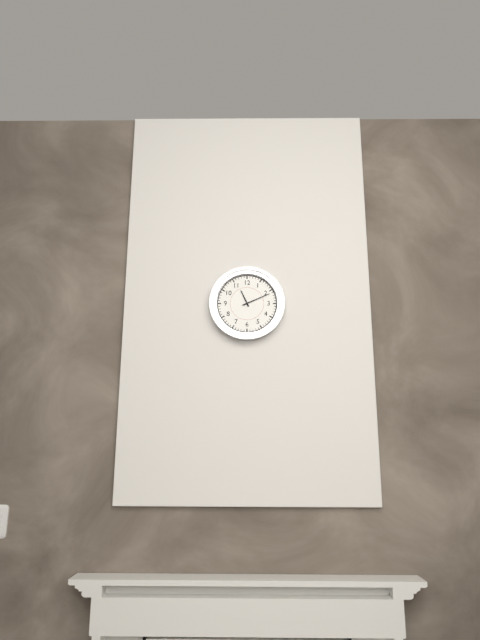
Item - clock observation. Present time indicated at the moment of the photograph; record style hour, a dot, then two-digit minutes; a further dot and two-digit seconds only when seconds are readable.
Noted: 11.11
